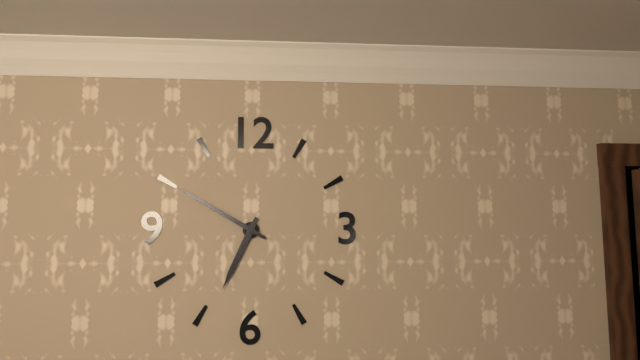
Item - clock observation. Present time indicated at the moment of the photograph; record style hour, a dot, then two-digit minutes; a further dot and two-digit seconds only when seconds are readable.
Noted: 6.50
